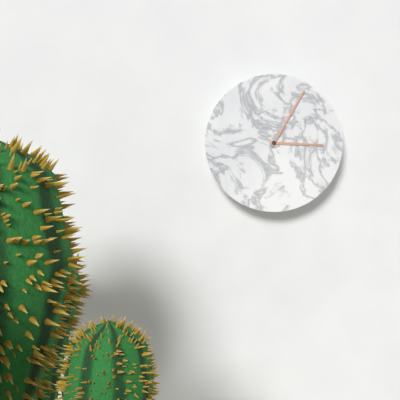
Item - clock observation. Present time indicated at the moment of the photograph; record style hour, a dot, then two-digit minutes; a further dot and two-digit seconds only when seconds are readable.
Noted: 3.05
